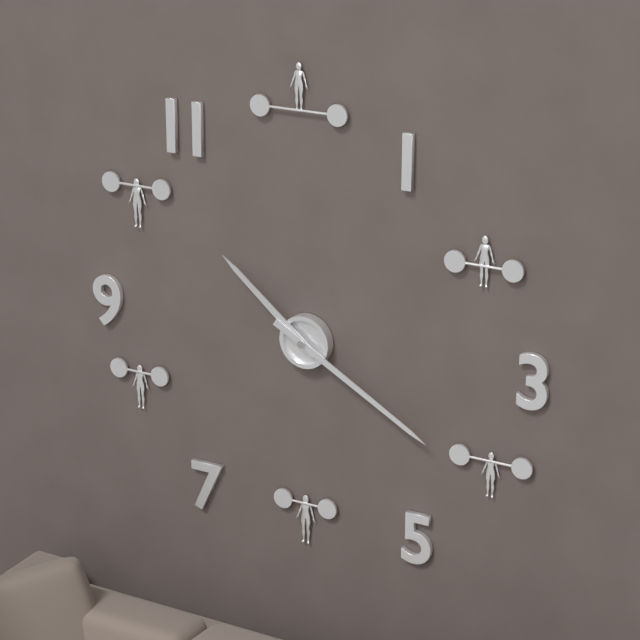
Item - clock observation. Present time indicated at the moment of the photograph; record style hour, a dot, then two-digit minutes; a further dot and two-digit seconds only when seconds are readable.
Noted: 10.20
